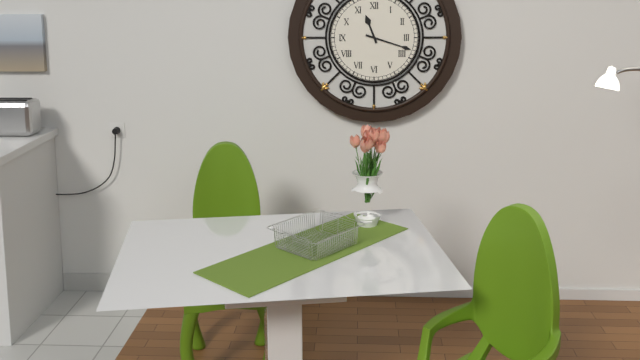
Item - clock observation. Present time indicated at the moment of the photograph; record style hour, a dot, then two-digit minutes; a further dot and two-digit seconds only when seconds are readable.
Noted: 11.18
